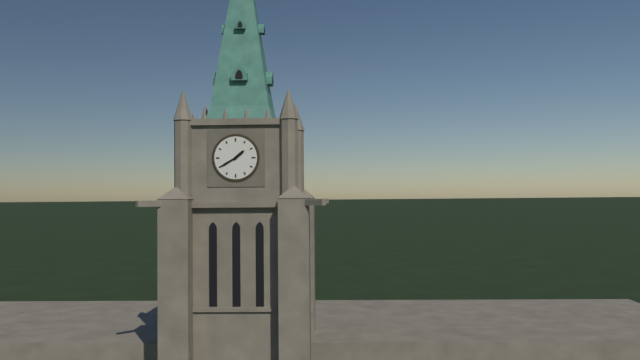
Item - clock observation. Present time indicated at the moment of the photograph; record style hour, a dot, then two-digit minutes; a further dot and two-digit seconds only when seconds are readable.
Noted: 1.40
